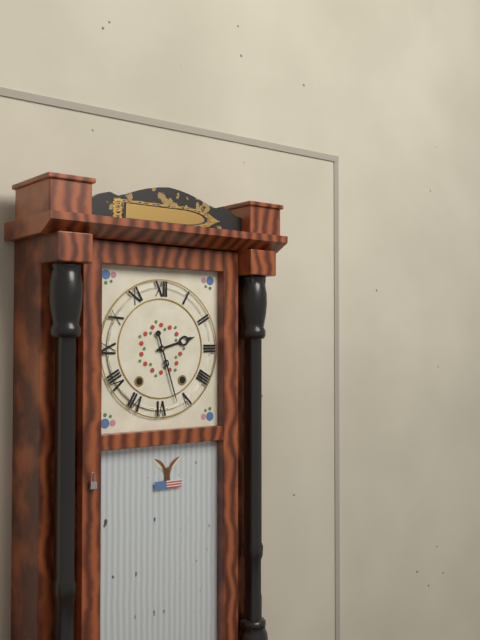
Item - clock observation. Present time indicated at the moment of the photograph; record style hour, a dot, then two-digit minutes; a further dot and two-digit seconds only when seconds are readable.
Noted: 2.27
